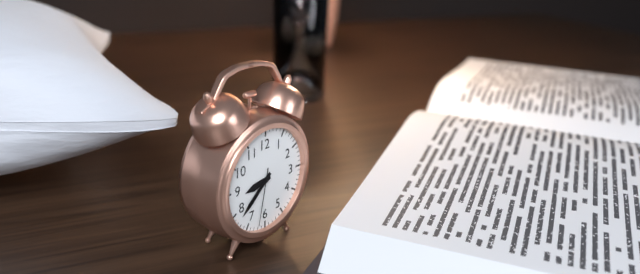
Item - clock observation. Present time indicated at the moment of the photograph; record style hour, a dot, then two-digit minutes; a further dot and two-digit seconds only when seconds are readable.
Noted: 8.38.32
